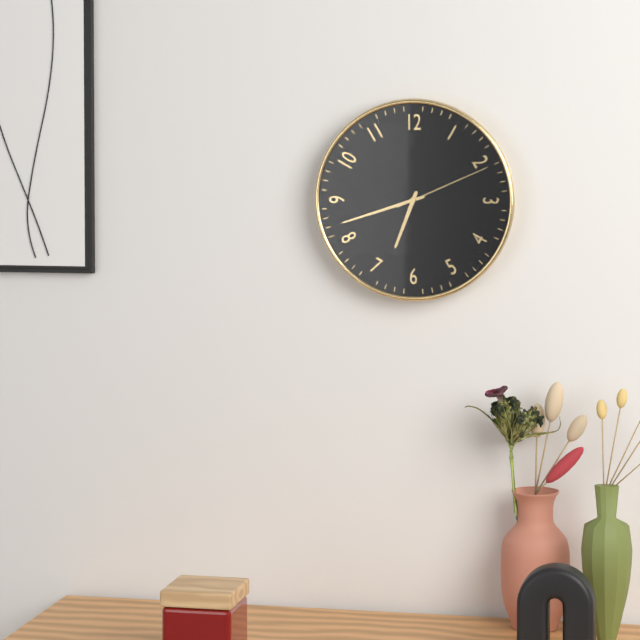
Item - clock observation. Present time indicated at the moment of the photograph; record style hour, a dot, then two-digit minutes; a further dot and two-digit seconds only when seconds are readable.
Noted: 6.42.11
